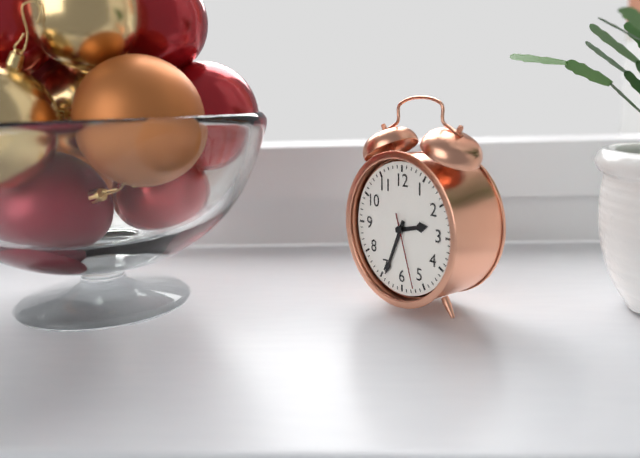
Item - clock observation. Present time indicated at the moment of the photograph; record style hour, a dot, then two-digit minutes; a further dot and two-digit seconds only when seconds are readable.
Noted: 2.34.27
